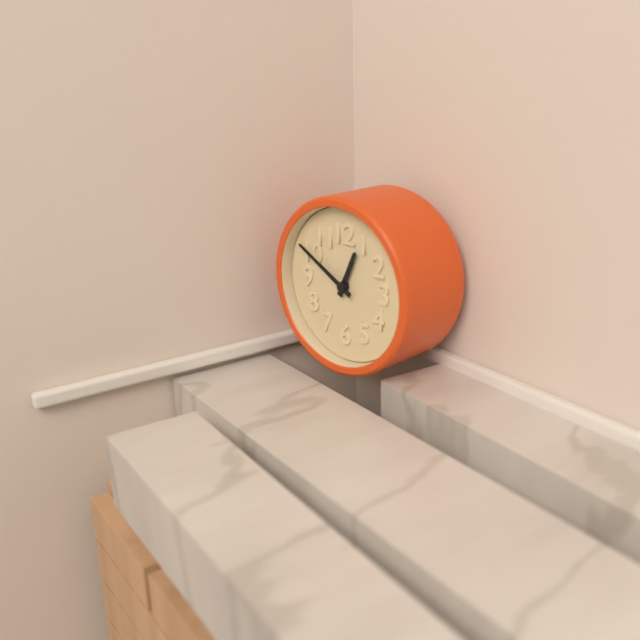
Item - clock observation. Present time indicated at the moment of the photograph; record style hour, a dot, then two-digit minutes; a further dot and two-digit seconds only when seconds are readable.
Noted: 12.50
